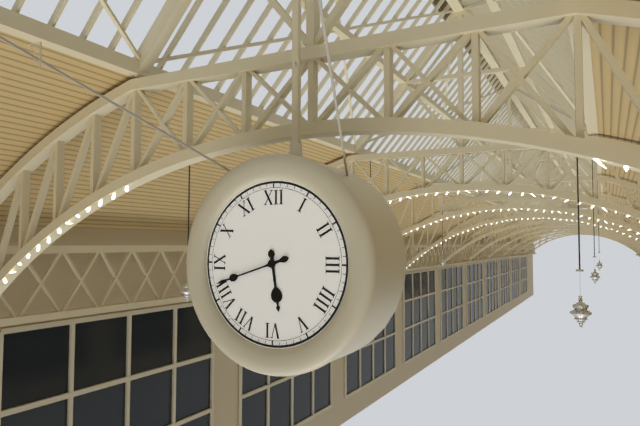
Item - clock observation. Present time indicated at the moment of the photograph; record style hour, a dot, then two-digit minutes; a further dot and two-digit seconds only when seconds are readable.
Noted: 5.42
